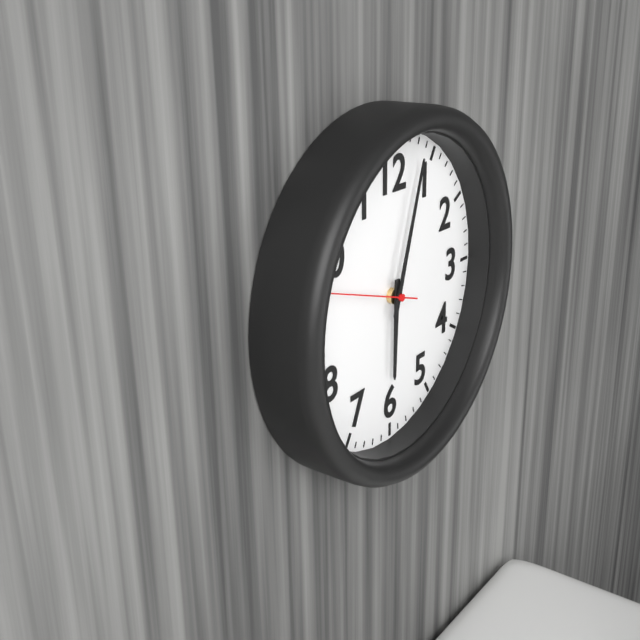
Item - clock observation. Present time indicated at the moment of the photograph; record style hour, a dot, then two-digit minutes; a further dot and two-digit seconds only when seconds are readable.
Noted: 6.03.48
